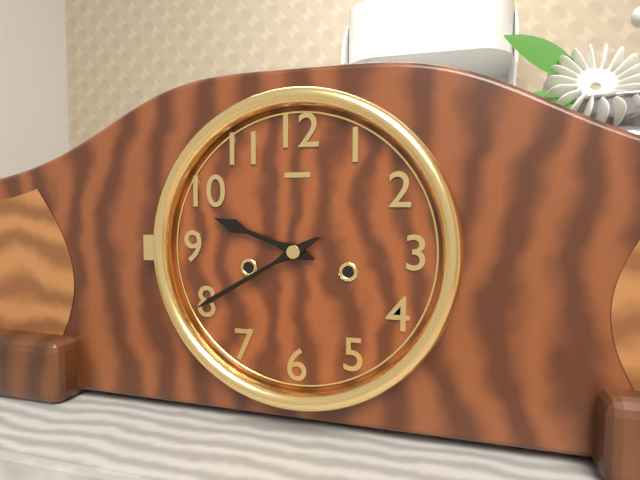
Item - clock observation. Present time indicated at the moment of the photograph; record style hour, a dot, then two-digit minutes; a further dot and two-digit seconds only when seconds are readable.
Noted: 9.40
